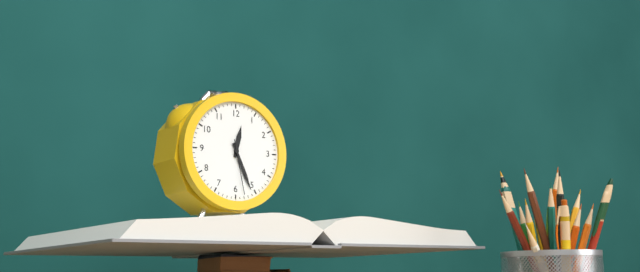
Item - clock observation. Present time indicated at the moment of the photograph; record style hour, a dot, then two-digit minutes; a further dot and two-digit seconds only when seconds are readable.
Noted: 12.26.28
